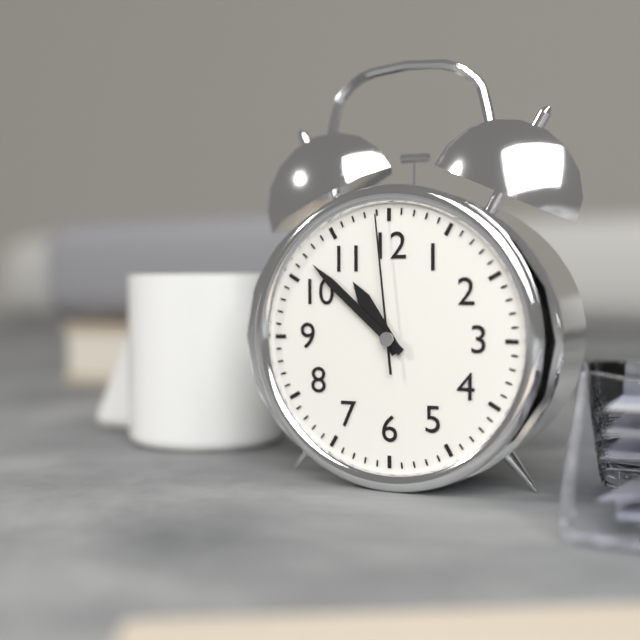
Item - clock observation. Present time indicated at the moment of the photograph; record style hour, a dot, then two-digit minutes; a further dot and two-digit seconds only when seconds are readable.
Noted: 10.52.59
